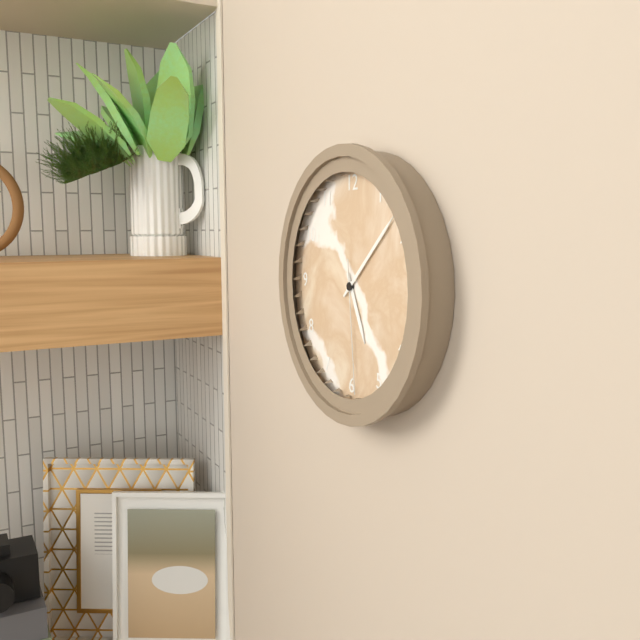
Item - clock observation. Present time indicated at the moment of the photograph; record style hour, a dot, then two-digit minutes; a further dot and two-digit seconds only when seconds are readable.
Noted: 5.08.29
